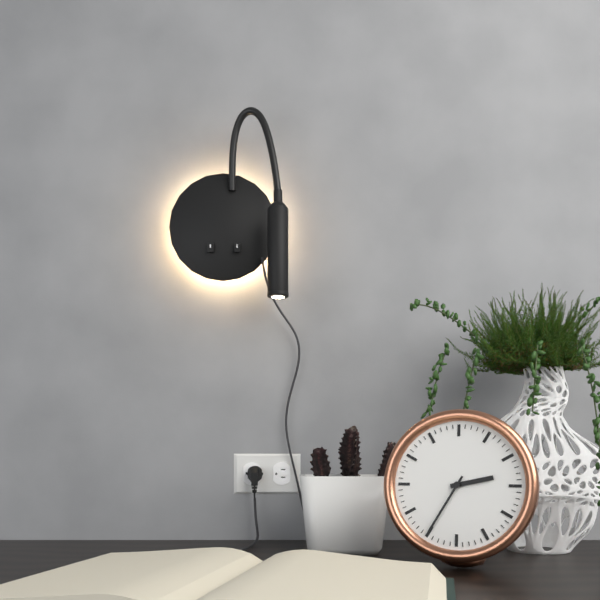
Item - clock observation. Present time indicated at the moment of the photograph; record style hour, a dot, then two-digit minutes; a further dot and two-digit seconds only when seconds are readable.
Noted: 2.35
